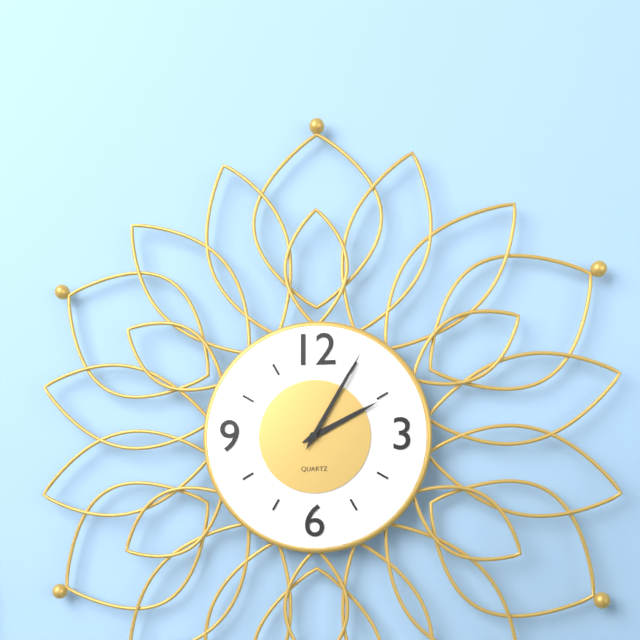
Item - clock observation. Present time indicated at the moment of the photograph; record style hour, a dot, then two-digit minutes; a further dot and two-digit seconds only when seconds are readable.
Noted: 2.05
